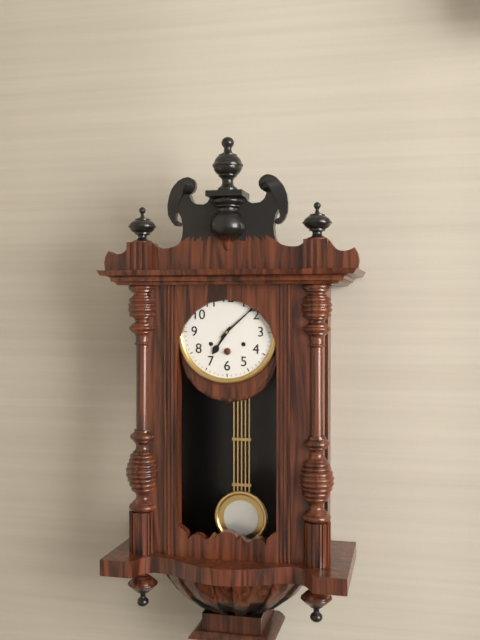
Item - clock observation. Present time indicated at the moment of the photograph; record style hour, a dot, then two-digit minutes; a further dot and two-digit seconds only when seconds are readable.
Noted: 7.08
